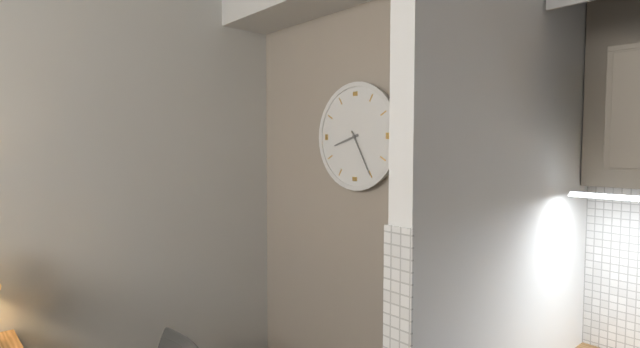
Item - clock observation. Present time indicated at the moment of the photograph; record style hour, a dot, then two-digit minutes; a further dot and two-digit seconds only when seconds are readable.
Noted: 8.25
